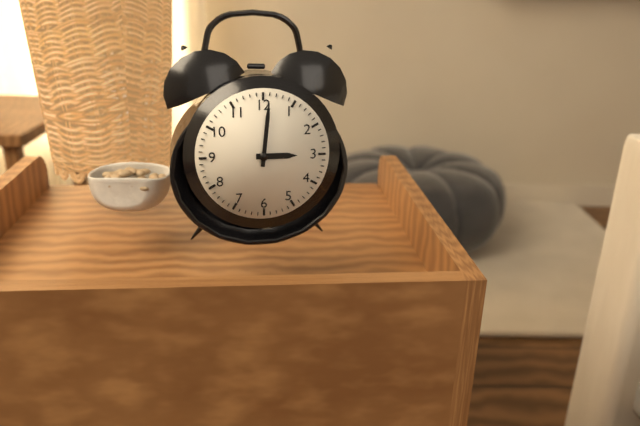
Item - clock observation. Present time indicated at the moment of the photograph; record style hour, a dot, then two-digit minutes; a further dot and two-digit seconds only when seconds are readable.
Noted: 3.01
